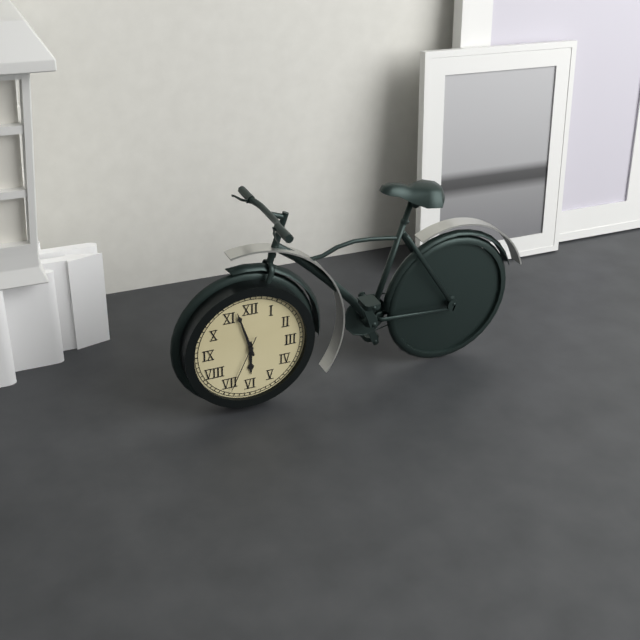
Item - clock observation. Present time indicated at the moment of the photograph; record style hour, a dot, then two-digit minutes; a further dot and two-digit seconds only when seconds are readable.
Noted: 5.57.34
